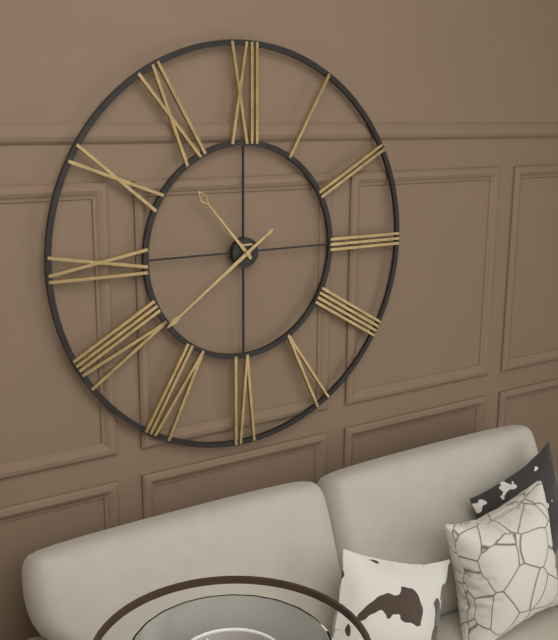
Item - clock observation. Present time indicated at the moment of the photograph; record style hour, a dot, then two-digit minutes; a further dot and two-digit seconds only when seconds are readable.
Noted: 10.39
